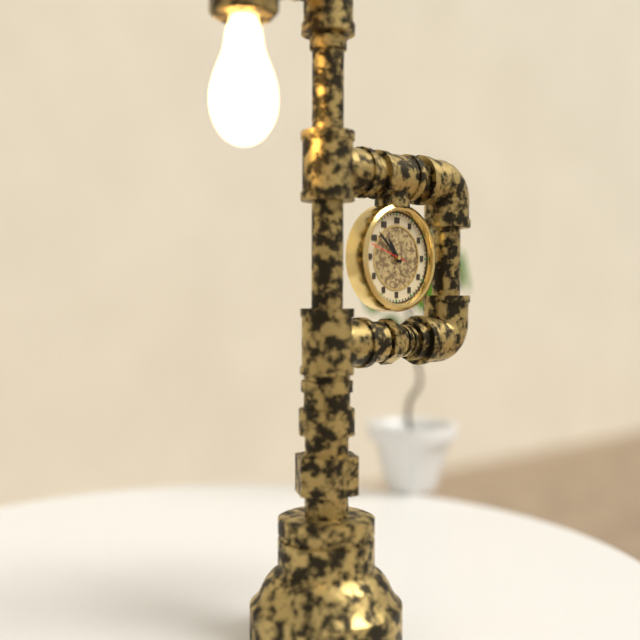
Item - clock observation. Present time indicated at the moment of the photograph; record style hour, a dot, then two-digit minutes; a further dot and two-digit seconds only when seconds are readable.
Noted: 10.52
